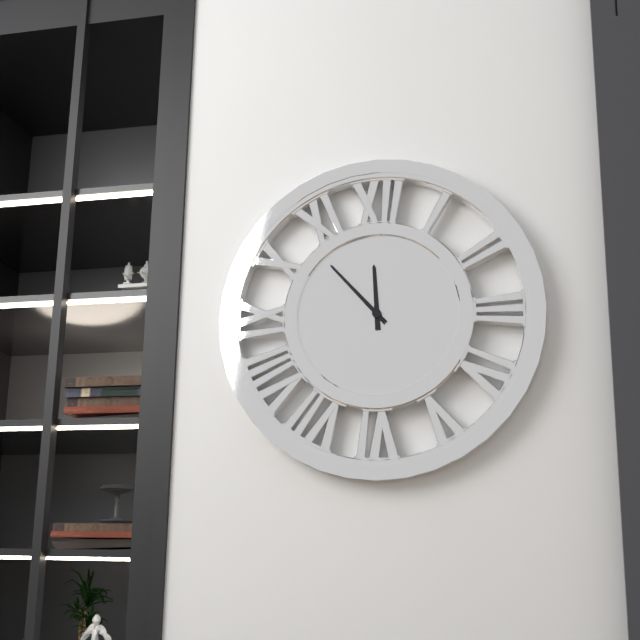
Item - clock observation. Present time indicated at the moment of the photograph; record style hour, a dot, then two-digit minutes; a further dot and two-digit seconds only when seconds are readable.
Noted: 11.53
